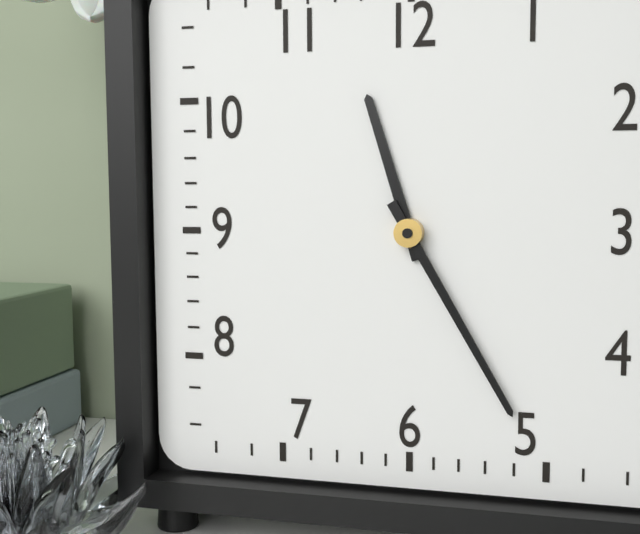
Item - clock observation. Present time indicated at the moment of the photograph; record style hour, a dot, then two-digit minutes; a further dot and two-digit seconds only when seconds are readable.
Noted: 11.25
